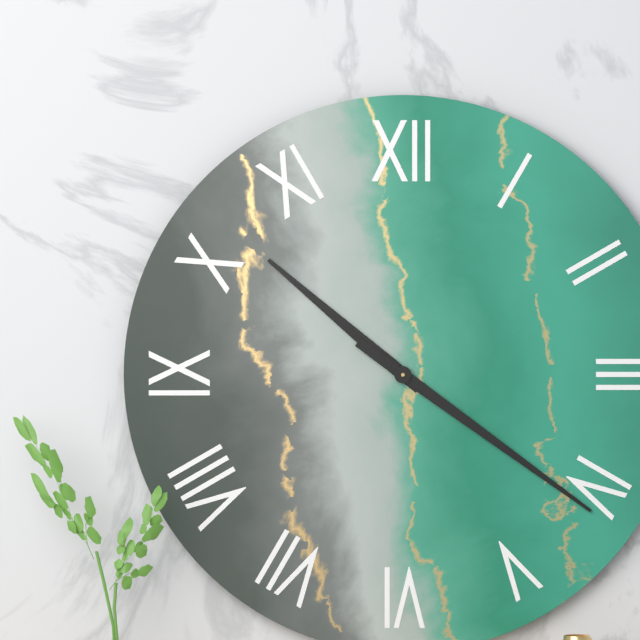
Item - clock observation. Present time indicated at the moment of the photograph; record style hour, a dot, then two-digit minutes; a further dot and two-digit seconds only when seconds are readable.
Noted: 10.21
